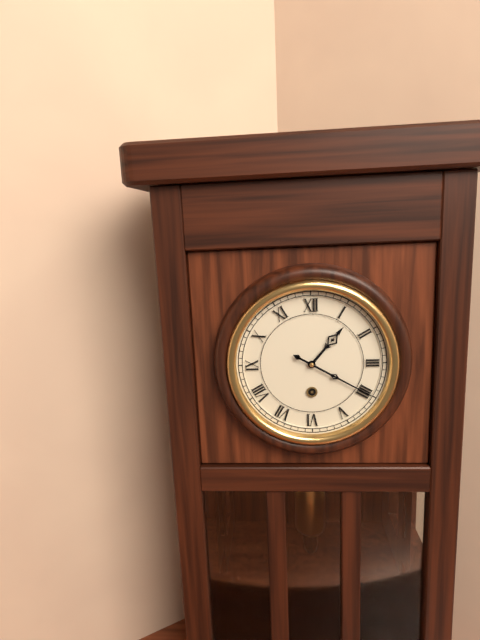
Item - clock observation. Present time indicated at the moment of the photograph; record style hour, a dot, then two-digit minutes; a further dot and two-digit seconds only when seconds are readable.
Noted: 1.20
